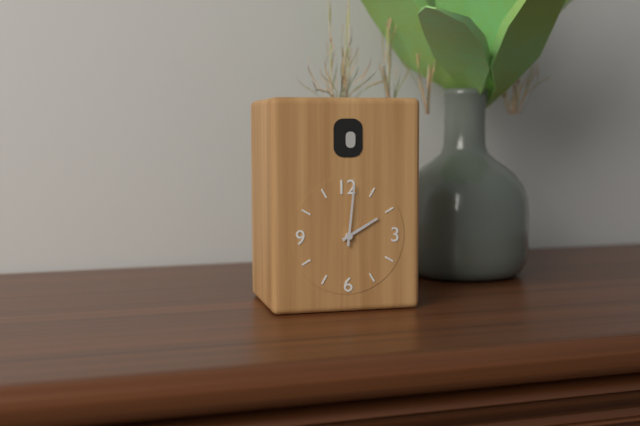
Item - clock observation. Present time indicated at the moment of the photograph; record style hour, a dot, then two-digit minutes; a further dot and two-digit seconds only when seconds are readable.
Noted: 2.01
